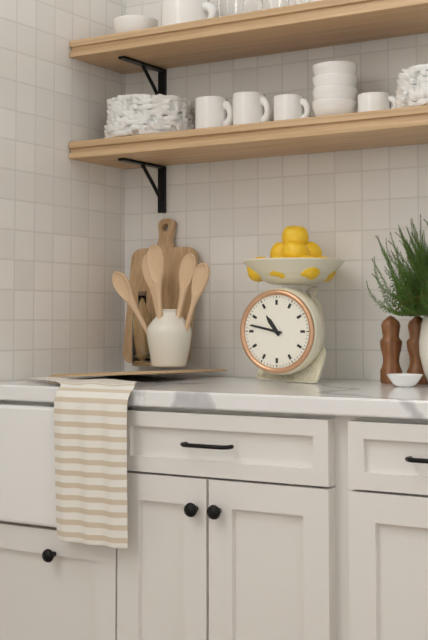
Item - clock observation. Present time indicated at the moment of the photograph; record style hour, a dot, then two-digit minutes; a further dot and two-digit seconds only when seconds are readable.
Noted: 10.47
